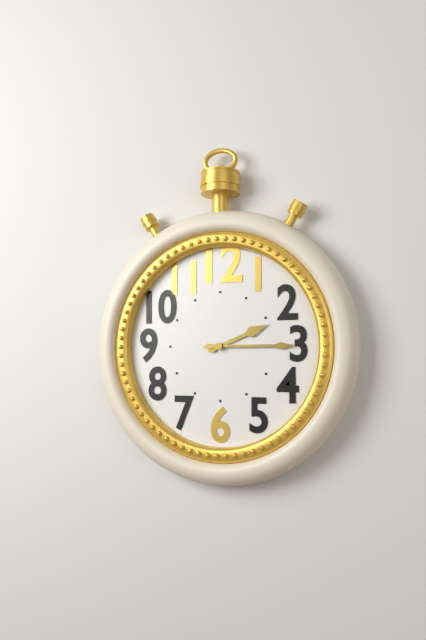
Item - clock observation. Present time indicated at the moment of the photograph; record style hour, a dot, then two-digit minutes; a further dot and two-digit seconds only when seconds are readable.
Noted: 2.15
